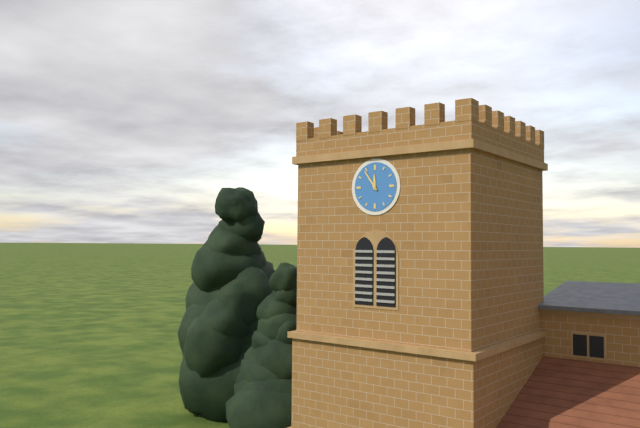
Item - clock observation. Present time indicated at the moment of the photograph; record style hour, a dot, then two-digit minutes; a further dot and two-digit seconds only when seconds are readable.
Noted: 11.54
